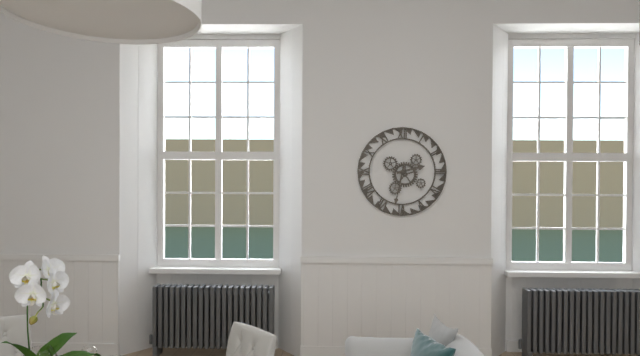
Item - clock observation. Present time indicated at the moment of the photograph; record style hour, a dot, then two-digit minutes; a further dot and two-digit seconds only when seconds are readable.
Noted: 2.32
